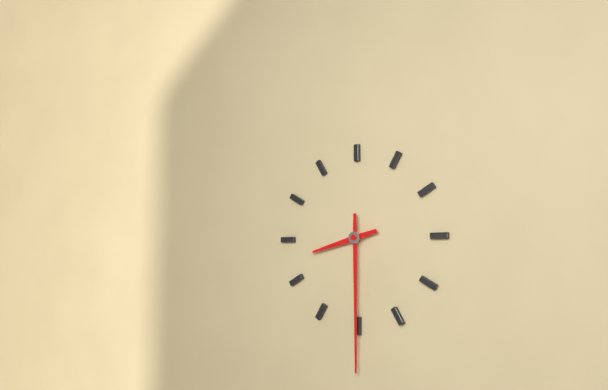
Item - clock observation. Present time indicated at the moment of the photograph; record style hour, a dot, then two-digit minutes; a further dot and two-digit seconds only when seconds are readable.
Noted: 8.30
